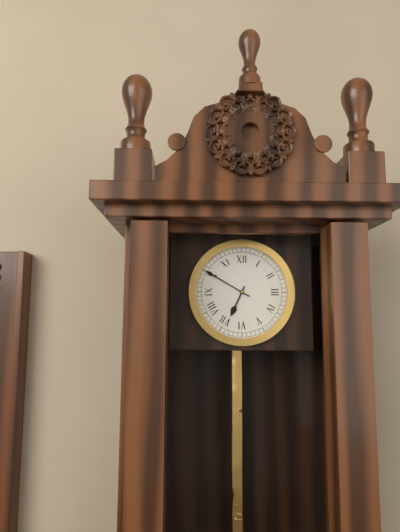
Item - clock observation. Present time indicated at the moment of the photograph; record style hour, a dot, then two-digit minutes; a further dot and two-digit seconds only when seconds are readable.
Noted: 6.50
